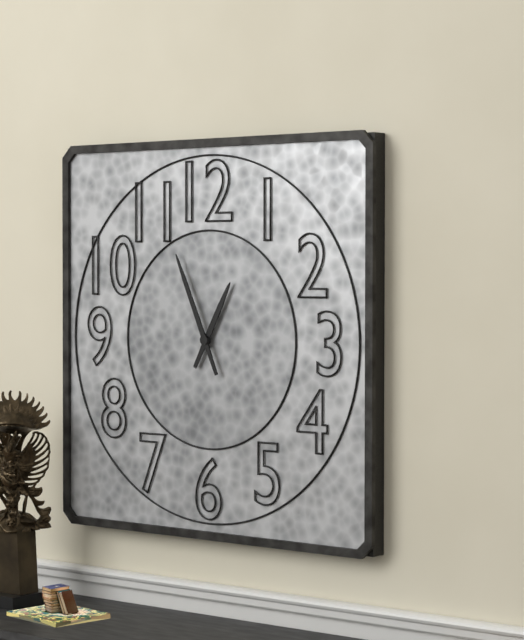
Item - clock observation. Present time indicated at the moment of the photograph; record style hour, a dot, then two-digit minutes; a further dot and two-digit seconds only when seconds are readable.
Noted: 12.56
